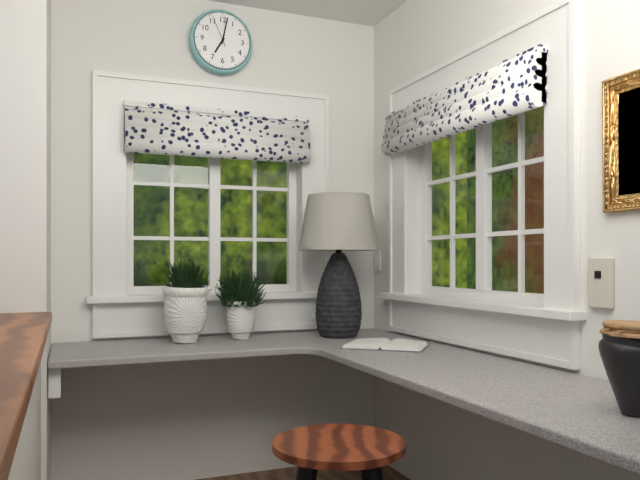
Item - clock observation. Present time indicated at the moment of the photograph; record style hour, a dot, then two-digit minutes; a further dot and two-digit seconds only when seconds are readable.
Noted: 7.02
